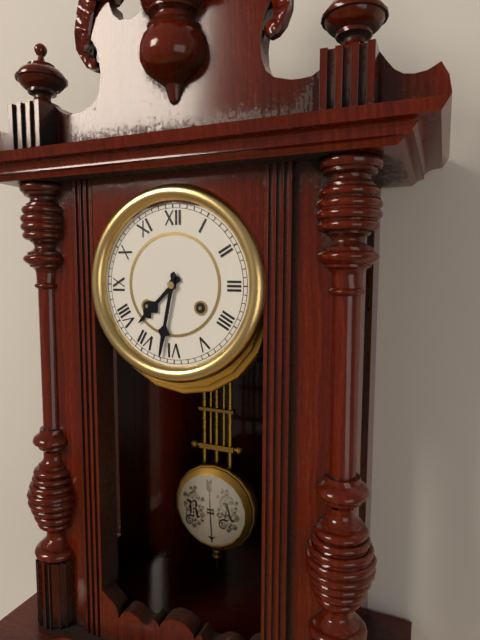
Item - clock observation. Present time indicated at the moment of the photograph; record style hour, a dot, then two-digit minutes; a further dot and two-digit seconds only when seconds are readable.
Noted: 7.32
